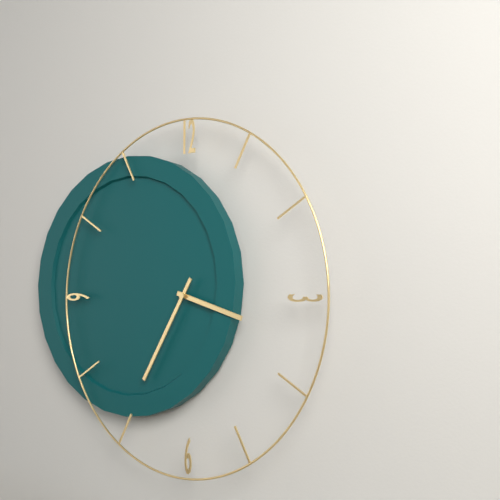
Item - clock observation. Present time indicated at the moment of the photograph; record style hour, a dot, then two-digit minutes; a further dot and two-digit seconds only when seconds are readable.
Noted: 3.35
